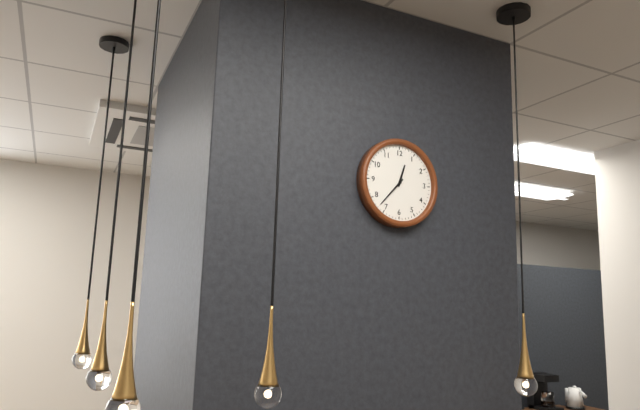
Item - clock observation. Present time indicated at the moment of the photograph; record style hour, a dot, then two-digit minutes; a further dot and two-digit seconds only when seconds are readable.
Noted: 12.37
